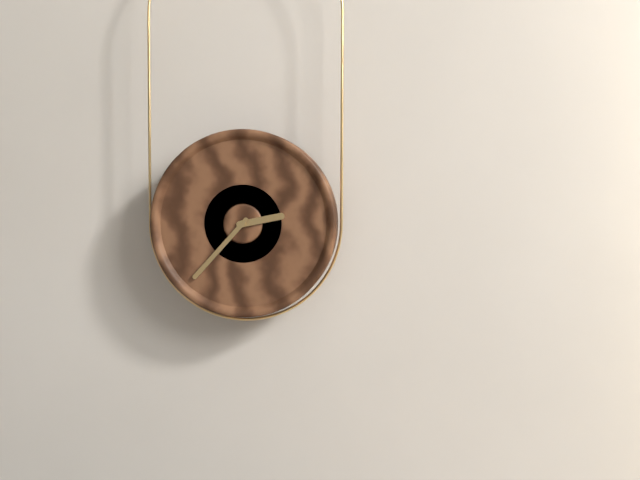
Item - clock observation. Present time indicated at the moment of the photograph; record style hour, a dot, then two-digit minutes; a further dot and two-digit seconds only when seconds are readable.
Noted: 2.37
